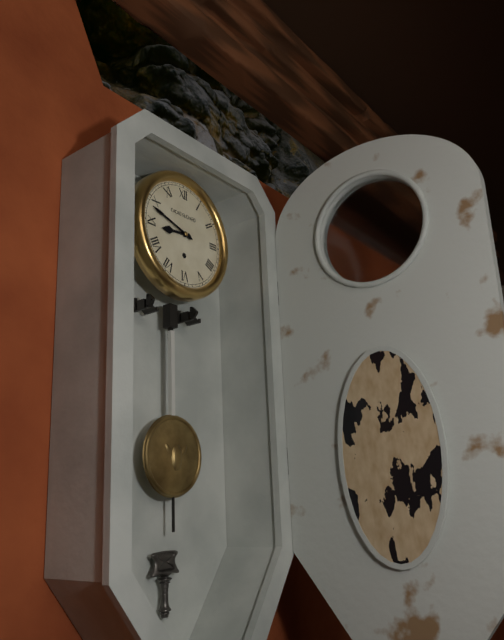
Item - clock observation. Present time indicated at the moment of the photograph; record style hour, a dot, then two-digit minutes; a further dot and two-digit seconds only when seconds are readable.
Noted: 8.48
